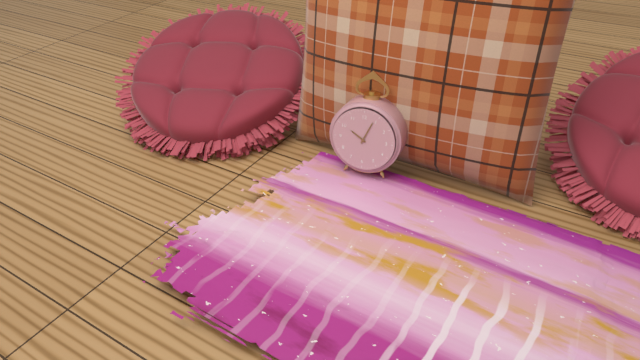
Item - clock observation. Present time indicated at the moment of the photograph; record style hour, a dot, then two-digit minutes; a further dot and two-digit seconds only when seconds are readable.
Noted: 10.04
